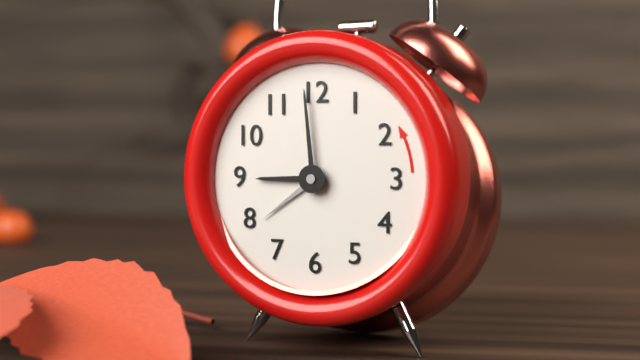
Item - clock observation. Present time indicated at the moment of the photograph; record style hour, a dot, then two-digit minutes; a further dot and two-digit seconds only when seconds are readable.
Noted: 8.59.39
